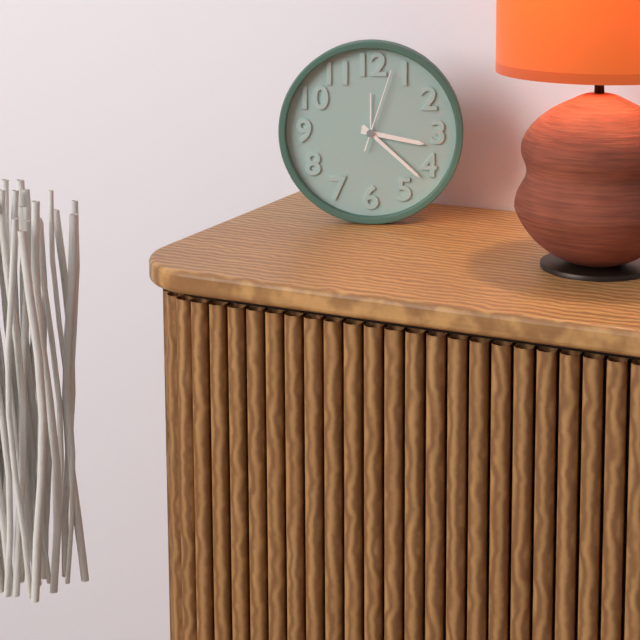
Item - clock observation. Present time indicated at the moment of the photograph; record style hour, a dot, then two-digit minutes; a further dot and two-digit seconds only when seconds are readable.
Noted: 3.22.03
